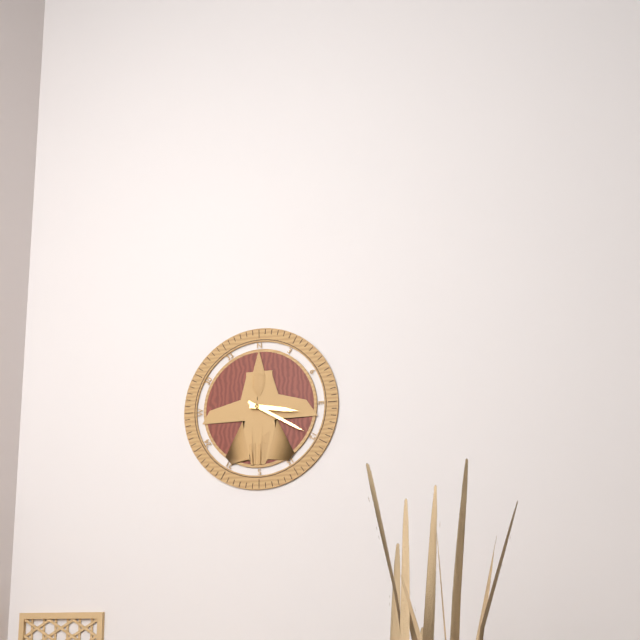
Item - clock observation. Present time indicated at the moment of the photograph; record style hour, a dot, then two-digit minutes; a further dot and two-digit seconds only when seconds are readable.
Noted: 3.20
